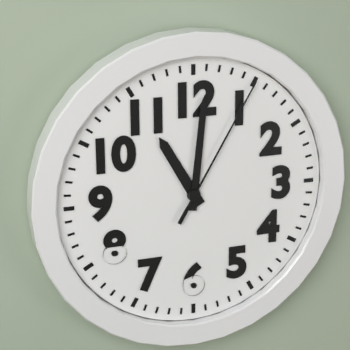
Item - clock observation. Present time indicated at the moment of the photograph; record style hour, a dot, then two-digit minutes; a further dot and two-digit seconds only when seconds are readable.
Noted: 11.01.05
